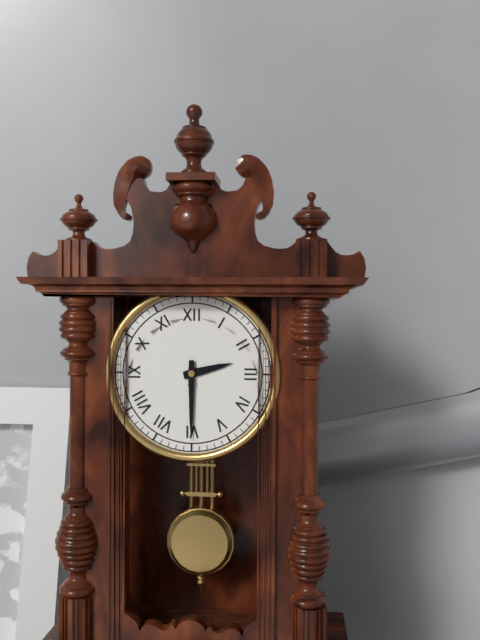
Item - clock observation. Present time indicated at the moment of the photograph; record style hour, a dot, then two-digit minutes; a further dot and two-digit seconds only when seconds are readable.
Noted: 2.30
